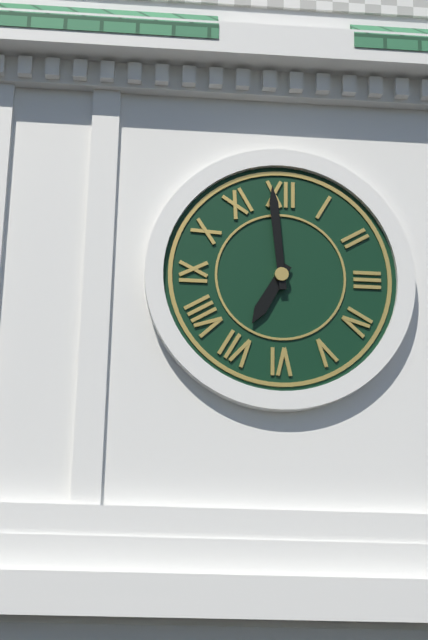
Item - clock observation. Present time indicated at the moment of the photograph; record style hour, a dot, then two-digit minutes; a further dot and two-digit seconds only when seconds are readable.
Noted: 6.59
